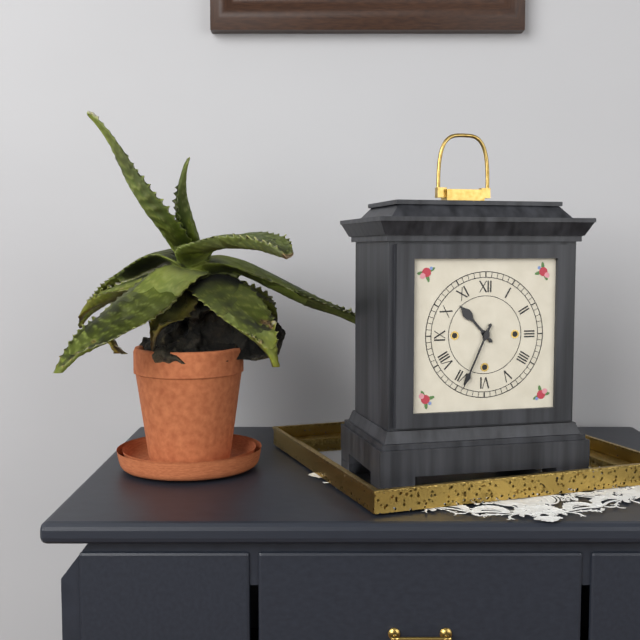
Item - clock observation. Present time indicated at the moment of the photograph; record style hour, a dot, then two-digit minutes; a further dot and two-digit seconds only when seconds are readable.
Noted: 10.34
